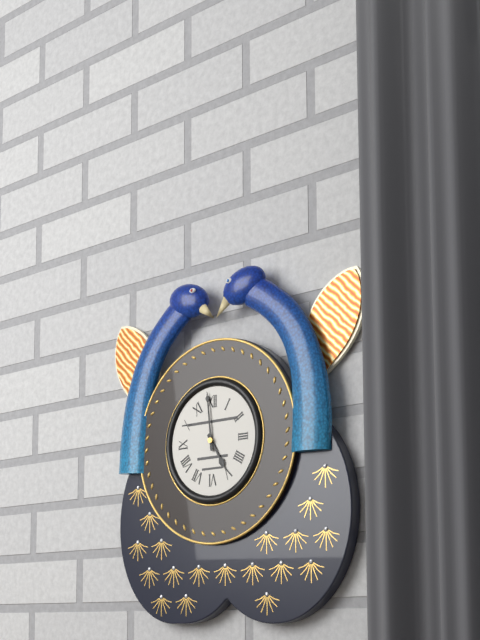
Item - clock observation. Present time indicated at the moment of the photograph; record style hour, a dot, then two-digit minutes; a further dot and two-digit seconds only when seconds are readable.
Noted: 4.59
